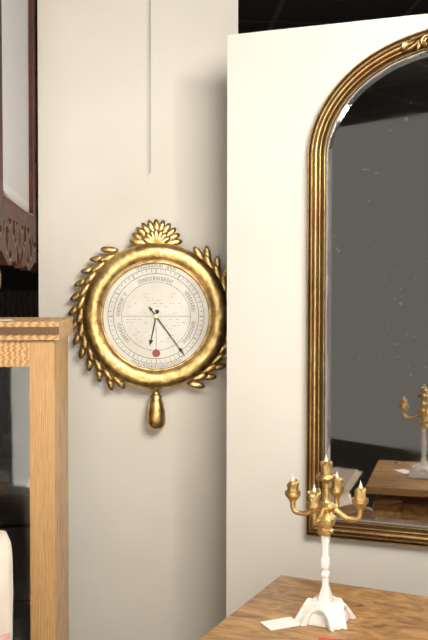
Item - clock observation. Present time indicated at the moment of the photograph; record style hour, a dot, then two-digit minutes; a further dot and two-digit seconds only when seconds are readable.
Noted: 6.24
